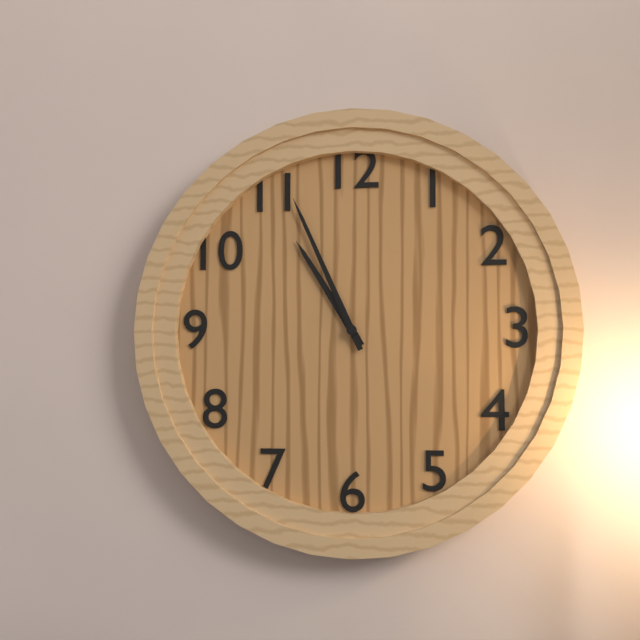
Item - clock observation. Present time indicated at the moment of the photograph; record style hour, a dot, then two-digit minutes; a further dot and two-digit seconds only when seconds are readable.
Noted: 10.56
